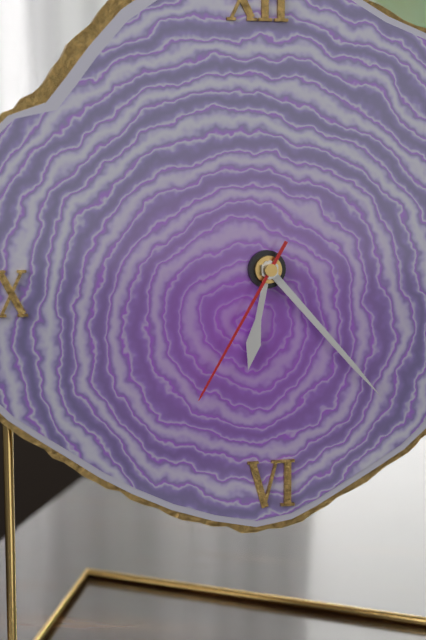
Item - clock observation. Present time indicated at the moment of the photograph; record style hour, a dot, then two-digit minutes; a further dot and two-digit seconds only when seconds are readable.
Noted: 6.23.35
